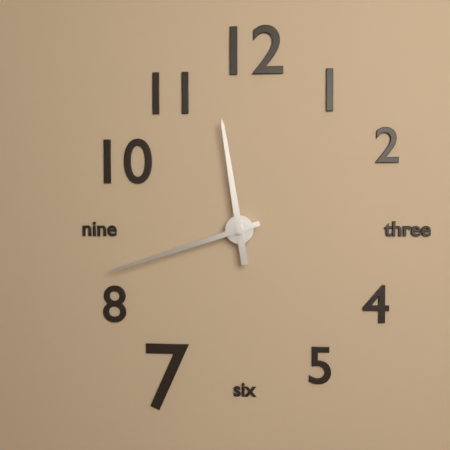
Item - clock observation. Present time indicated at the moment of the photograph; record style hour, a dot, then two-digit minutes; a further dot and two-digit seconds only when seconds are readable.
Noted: 11.42
